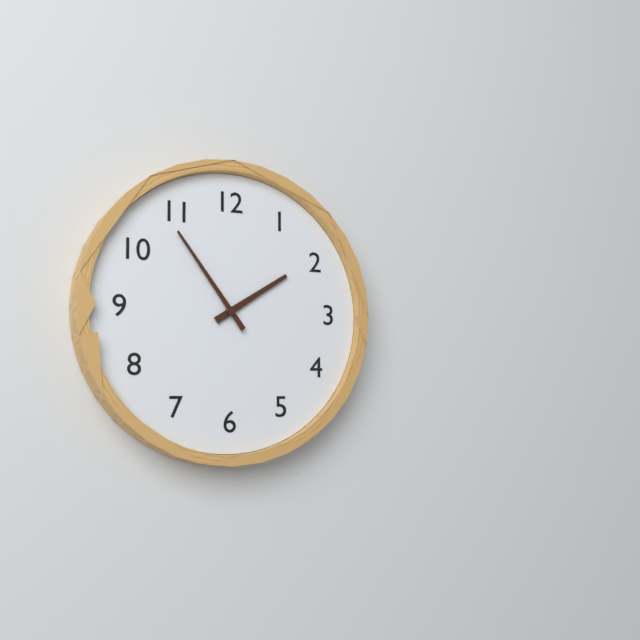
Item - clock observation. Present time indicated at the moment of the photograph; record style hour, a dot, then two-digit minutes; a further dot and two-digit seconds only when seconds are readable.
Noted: 1.54
